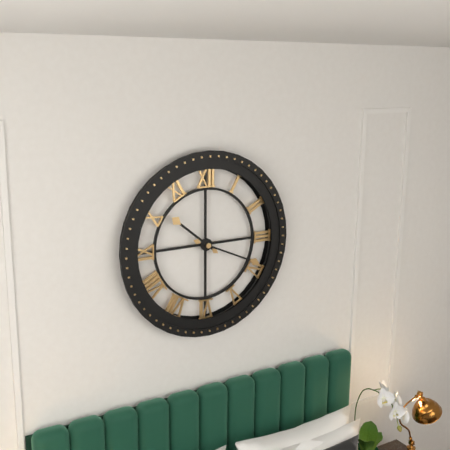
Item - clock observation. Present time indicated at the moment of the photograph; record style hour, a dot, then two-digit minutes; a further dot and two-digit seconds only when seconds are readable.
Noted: 10.19
